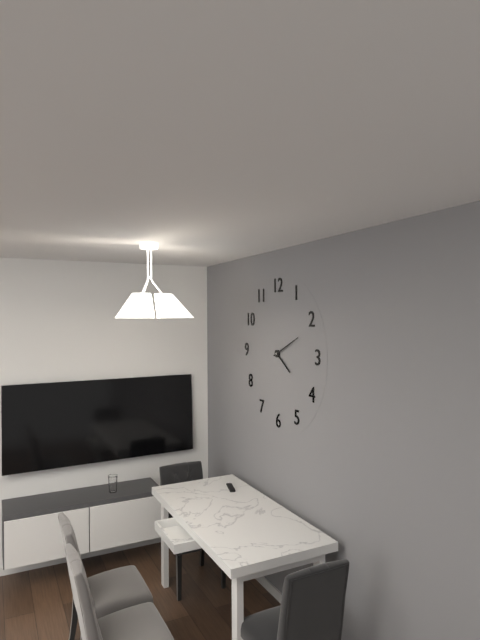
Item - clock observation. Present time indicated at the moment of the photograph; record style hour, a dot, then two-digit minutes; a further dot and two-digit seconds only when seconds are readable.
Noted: 4.11
